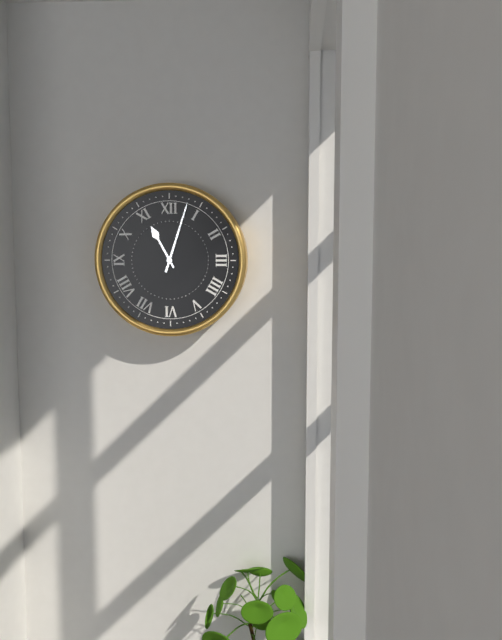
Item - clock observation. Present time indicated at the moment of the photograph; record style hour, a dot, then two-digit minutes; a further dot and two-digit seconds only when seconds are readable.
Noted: 11.03
